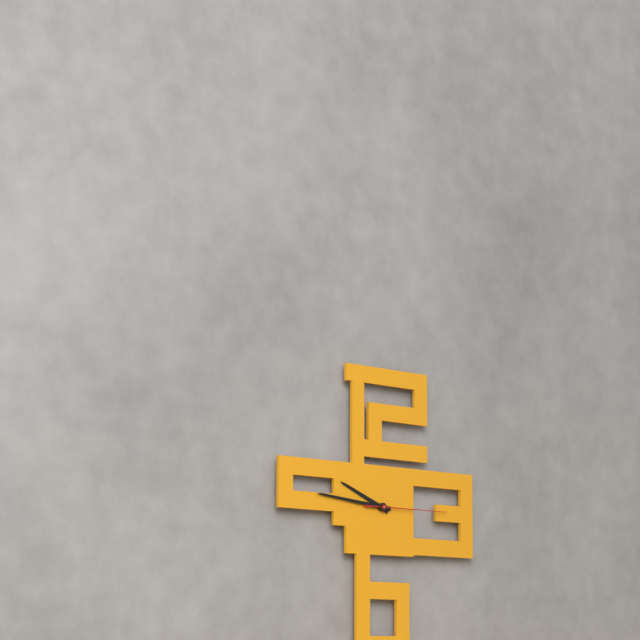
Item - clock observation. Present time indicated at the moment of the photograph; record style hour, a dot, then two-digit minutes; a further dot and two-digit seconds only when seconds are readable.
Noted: 9.46.15
